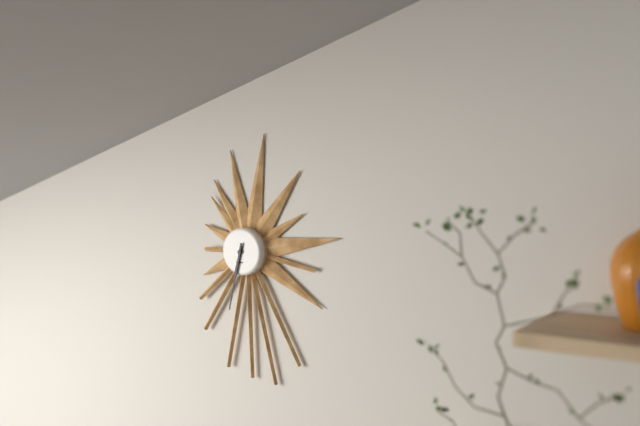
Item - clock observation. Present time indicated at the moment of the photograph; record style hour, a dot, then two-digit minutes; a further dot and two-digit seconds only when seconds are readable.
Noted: 6.32
